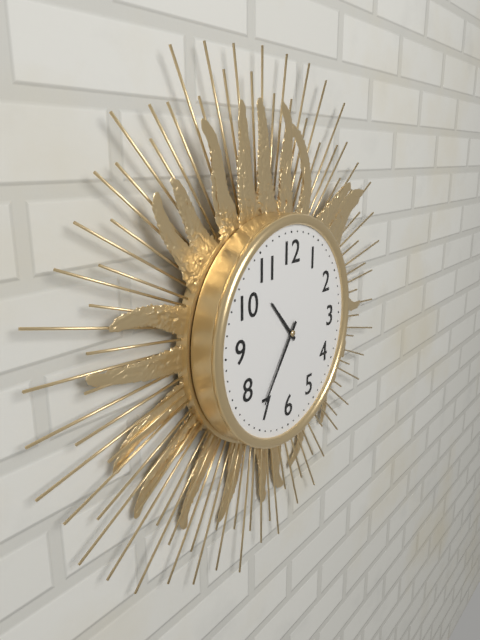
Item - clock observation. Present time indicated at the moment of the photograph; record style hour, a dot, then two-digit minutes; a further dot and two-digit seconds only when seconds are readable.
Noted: 10.36
